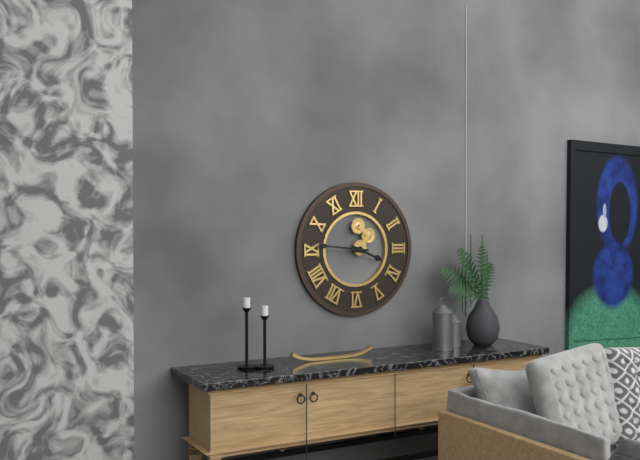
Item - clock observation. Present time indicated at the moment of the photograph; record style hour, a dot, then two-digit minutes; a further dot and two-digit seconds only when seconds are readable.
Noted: 3.46
